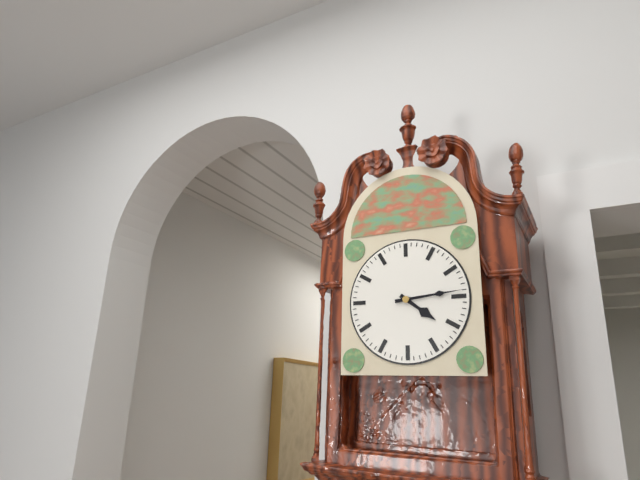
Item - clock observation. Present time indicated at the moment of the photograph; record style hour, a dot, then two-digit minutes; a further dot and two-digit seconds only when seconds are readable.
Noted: 4.14
